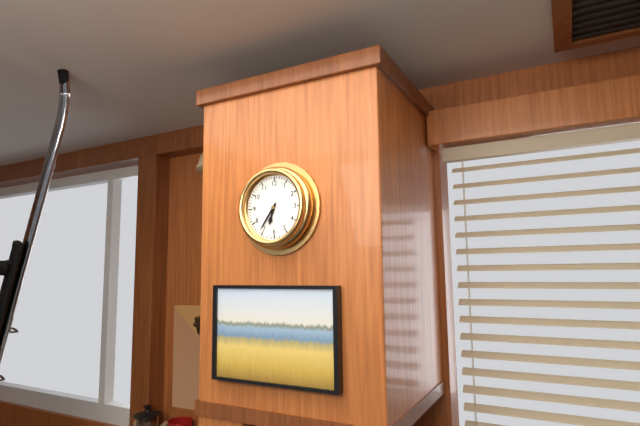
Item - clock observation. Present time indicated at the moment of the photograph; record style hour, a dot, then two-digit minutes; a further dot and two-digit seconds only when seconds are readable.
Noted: 6.36
